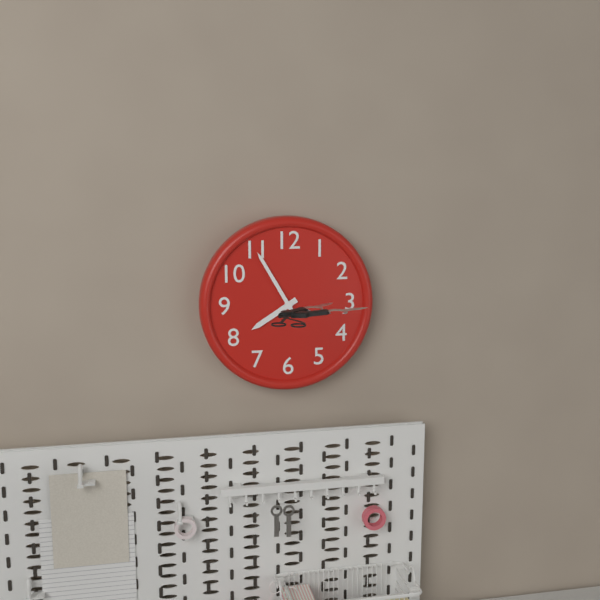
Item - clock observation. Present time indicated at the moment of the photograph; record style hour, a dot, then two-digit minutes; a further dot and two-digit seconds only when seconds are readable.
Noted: 7.55
